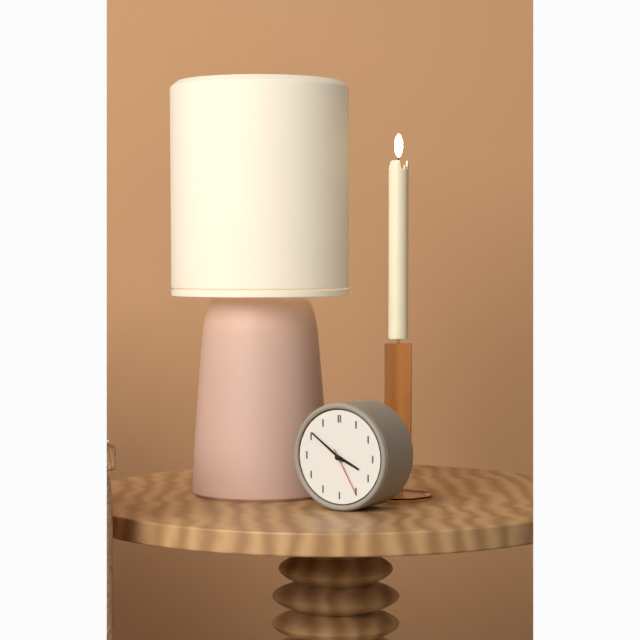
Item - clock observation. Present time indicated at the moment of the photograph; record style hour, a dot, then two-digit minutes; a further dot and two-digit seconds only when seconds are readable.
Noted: 3.51.25
